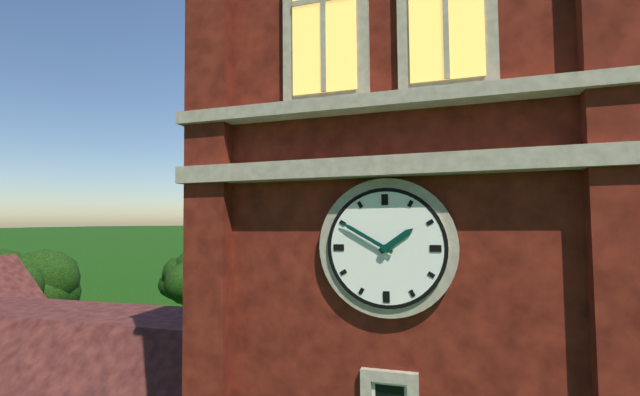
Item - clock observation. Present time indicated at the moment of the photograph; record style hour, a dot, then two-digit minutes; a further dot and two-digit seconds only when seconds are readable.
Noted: 1.50
